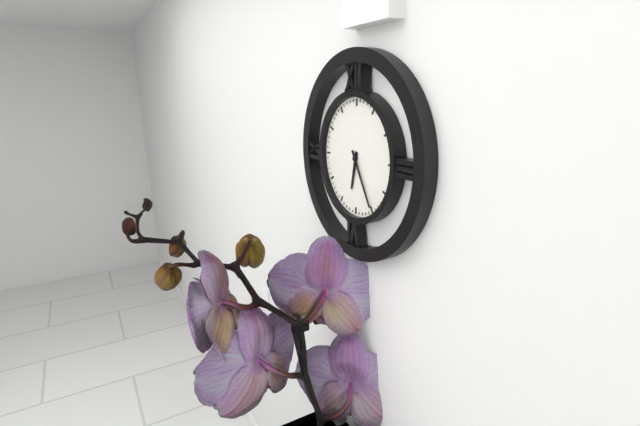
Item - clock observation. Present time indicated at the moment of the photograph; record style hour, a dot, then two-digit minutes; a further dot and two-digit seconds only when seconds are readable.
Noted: 6.25
